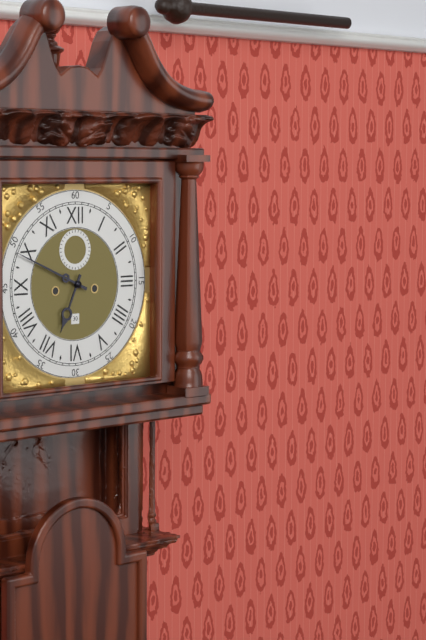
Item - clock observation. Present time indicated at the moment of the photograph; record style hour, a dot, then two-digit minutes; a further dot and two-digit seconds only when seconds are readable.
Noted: 6.49
